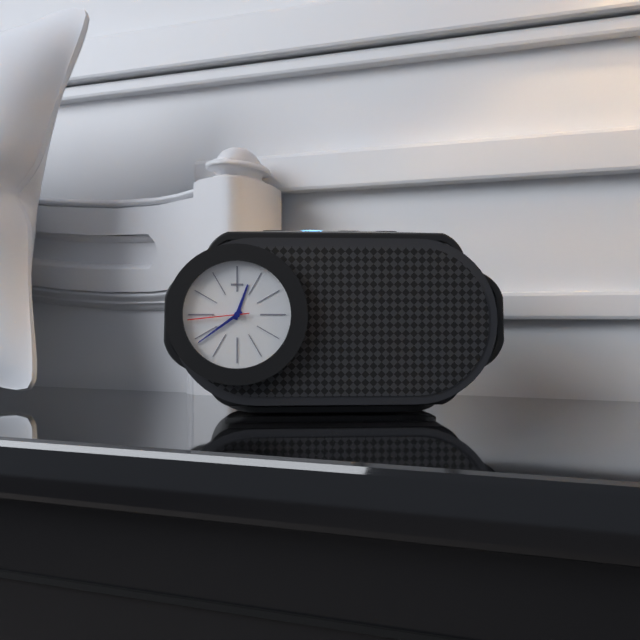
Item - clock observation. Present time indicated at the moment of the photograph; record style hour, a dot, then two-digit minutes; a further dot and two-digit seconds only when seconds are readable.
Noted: 12.39.44
